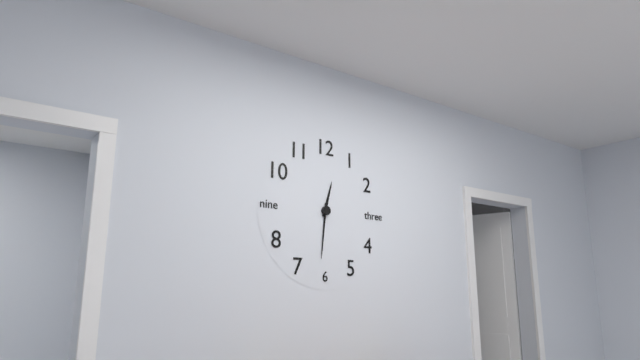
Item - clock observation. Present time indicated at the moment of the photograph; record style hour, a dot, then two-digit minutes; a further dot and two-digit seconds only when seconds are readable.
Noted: 12.31
